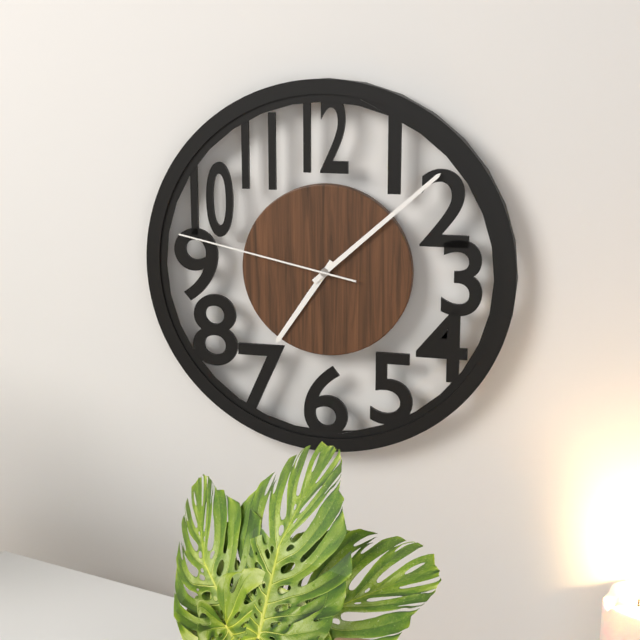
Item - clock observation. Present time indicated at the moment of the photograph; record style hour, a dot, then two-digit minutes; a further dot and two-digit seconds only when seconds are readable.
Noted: 7.08.47
